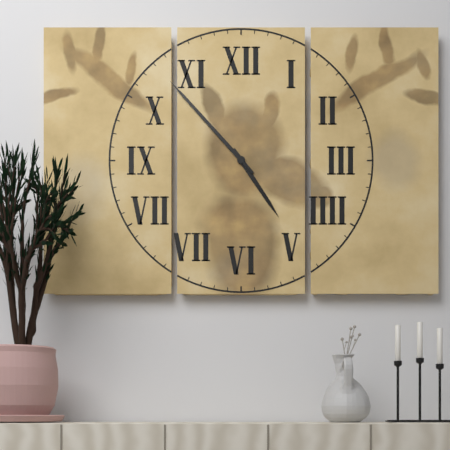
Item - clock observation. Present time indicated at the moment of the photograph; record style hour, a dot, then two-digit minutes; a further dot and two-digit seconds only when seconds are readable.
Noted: 4.53
